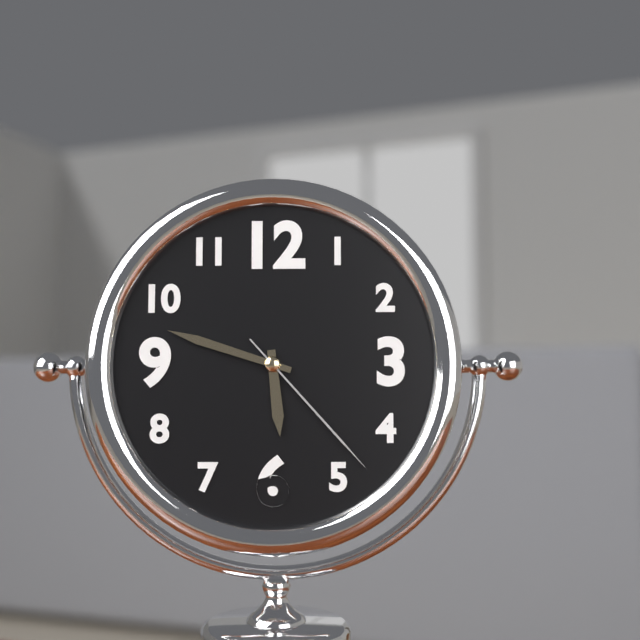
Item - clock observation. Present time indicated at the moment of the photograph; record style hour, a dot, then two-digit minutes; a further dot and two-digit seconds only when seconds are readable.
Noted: 5.48.23
